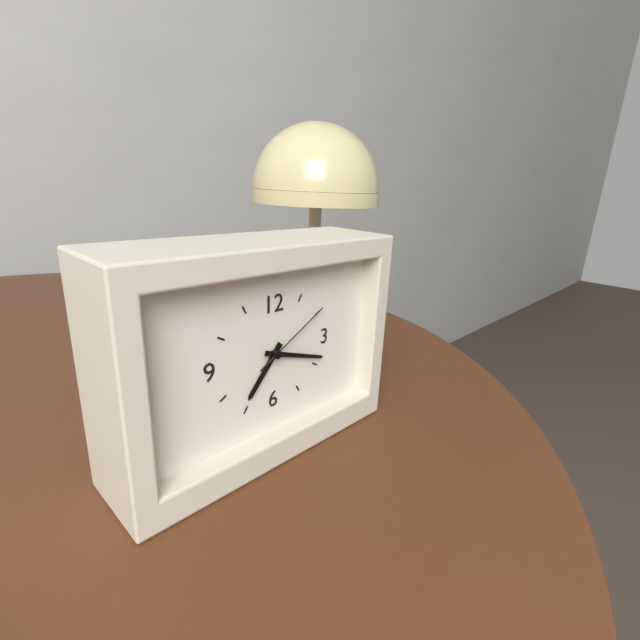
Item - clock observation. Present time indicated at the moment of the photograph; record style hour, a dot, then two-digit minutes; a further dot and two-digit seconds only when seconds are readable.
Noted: 7.18.10
